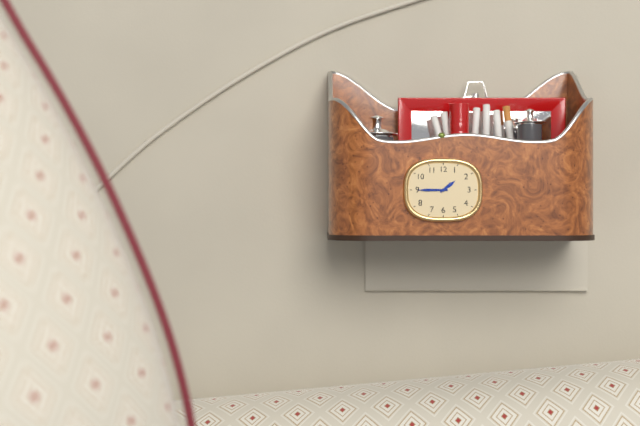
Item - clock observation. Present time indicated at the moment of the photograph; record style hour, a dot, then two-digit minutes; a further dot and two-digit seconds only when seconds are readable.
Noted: 1.45
